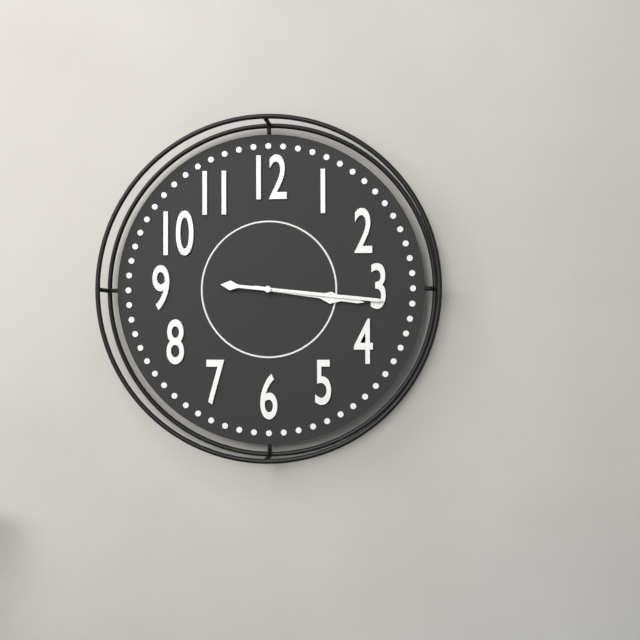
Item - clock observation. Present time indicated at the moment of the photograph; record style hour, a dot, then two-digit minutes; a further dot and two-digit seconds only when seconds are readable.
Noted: 3.16
